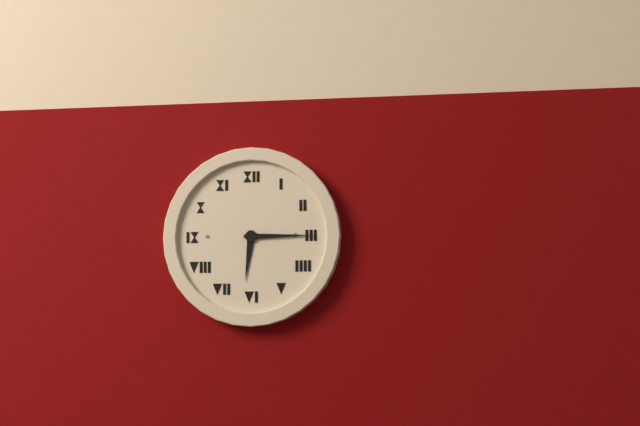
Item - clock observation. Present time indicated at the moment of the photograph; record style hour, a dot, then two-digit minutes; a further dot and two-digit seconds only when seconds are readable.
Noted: 6.15
